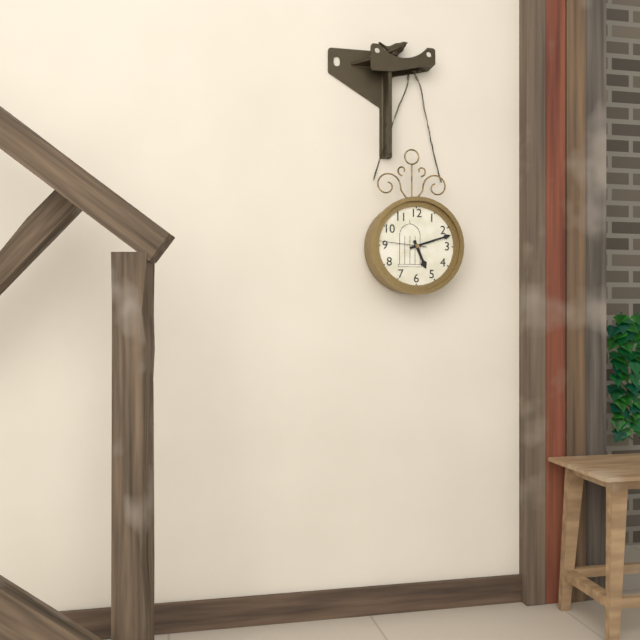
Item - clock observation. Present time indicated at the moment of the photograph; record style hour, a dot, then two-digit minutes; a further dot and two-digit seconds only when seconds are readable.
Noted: 5.12
